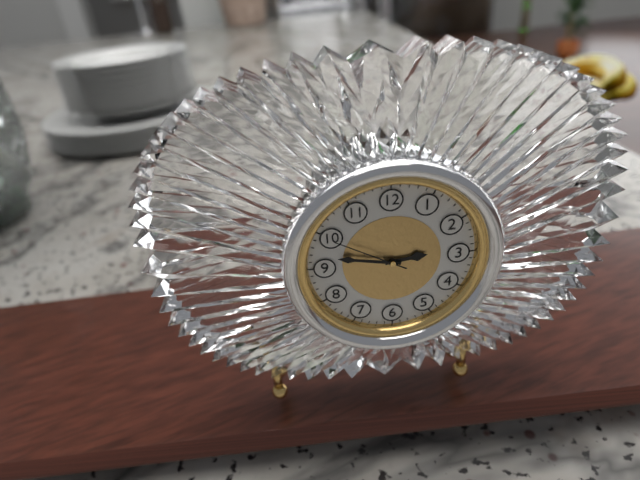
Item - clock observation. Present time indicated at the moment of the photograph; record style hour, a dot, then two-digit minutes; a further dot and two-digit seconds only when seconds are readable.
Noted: 2.47.50
